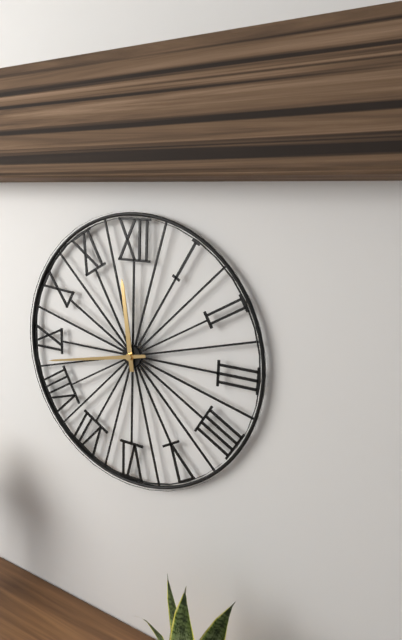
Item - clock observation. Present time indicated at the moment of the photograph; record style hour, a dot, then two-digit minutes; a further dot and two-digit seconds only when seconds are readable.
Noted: 11.43
